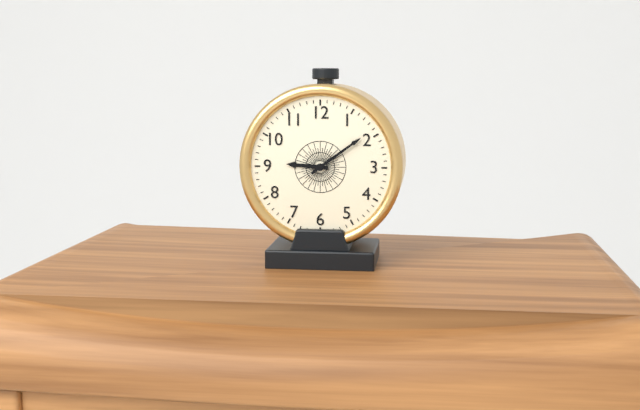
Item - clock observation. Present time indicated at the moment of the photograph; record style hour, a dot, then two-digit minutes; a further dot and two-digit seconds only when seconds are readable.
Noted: 9.09
